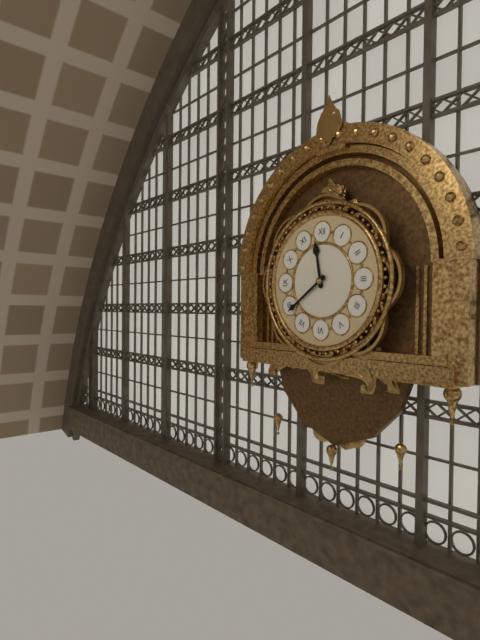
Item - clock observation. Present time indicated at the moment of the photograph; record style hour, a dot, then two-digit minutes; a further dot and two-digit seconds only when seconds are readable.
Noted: 11.39
